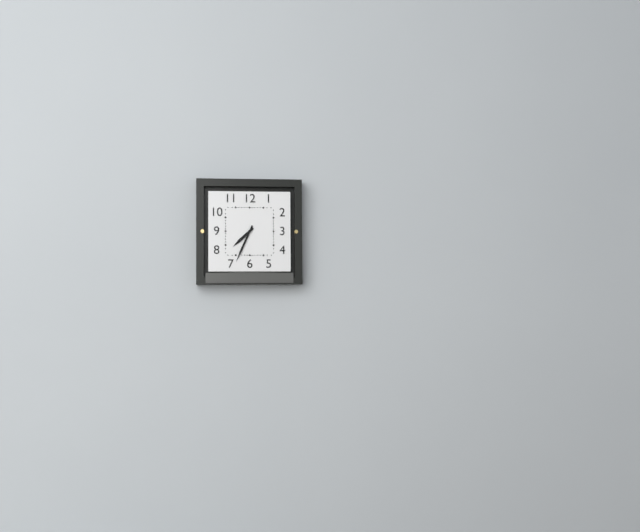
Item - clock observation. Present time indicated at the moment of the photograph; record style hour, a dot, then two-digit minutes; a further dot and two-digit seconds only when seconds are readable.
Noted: 7.34
